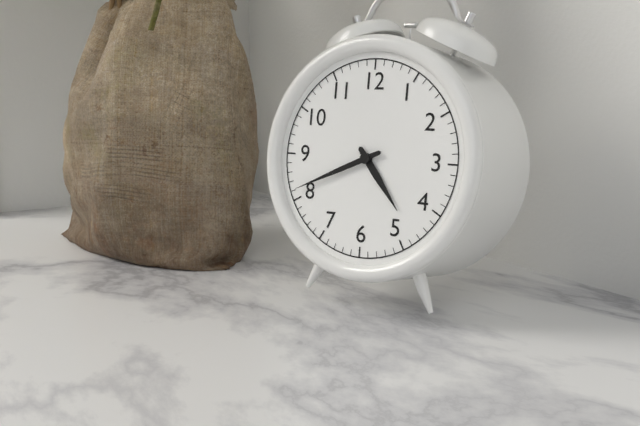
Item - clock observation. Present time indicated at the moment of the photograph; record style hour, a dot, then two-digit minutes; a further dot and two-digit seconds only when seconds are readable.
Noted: 4.41
